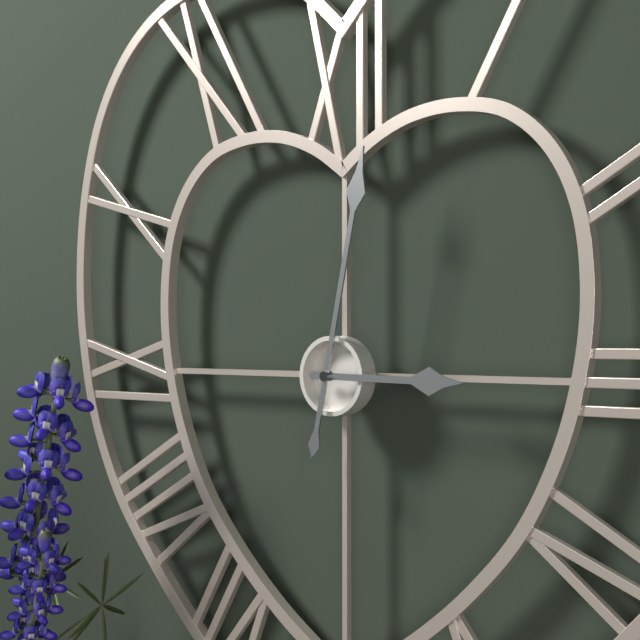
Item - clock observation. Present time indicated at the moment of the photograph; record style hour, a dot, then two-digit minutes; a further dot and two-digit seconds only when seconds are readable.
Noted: 3.02
